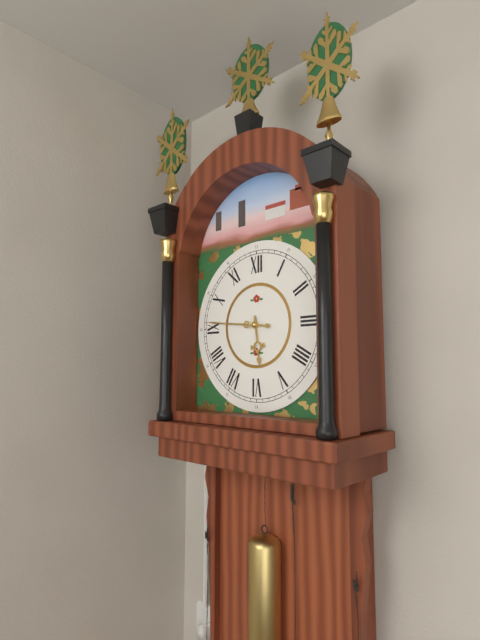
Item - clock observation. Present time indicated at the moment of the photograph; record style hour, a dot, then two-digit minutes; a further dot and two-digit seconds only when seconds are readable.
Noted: 5.46
